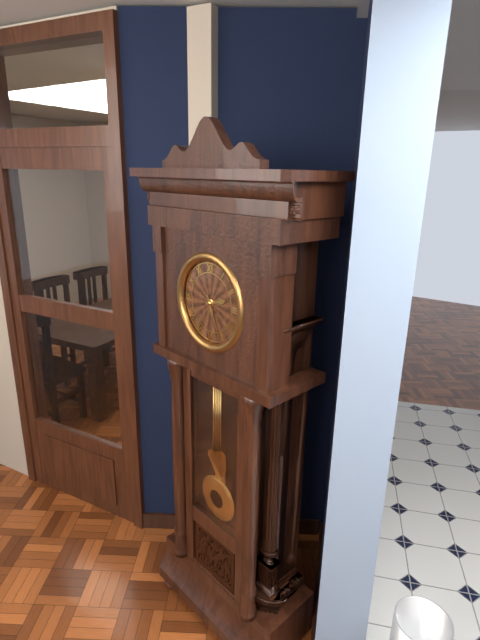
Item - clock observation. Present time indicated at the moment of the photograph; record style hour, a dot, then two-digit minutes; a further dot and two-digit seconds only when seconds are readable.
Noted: 2.26
